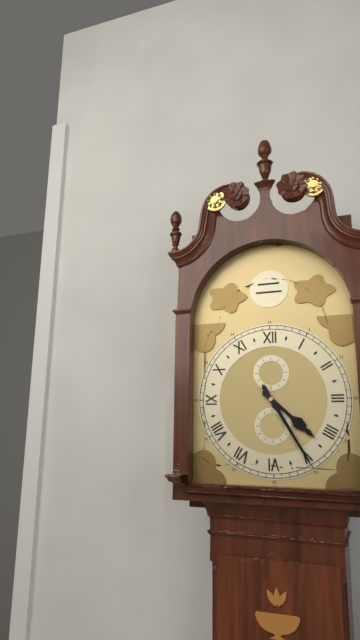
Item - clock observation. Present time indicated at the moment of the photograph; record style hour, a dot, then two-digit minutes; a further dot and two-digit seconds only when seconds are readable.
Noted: 4.25
